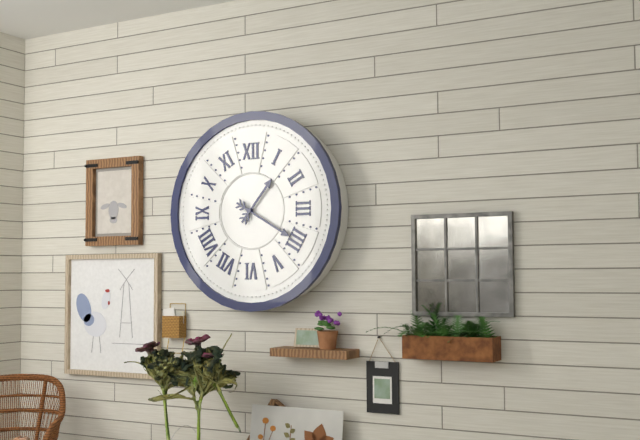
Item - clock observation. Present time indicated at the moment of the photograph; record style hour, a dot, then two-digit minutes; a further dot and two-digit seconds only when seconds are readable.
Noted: 1.20
